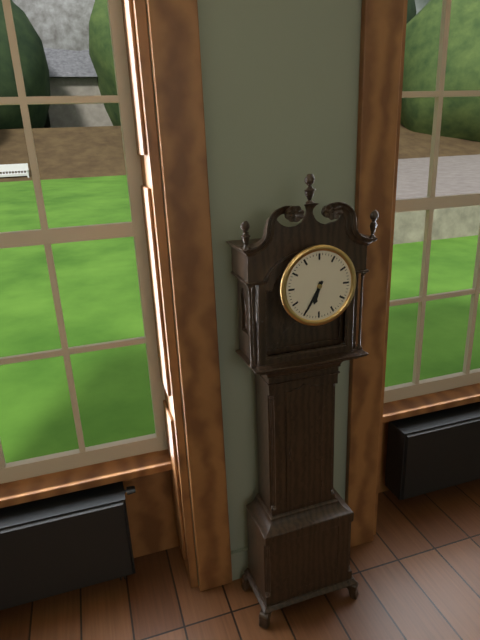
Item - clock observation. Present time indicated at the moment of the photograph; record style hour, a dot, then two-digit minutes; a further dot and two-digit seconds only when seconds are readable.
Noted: 6.35
